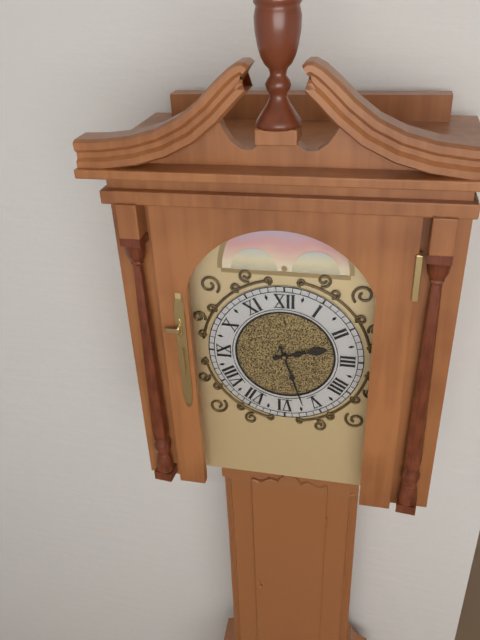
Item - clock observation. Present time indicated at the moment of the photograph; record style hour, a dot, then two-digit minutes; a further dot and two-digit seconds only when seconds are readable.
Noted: 2.27
